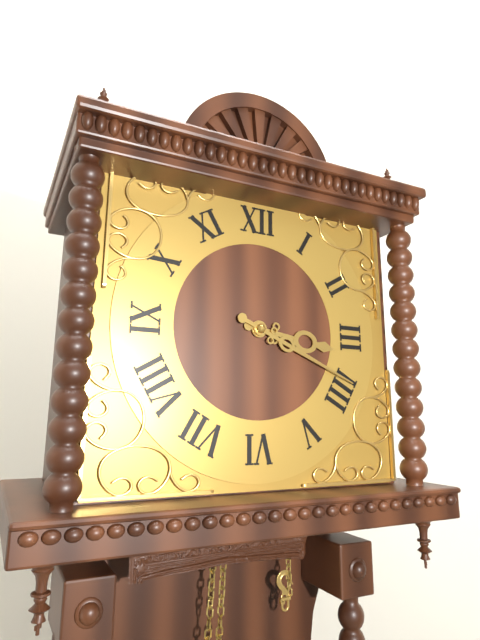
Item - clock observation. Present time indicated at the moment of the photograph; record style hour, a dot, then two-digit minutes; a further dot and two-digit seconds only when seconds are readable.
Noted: 3.19
